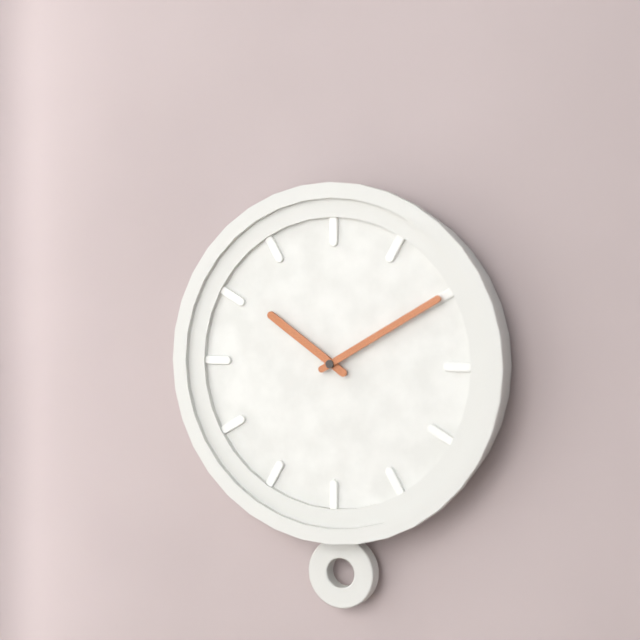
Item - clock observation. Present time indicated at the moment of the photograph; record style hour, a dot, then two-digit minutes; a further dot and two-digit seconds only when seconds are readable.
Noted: 10.10
